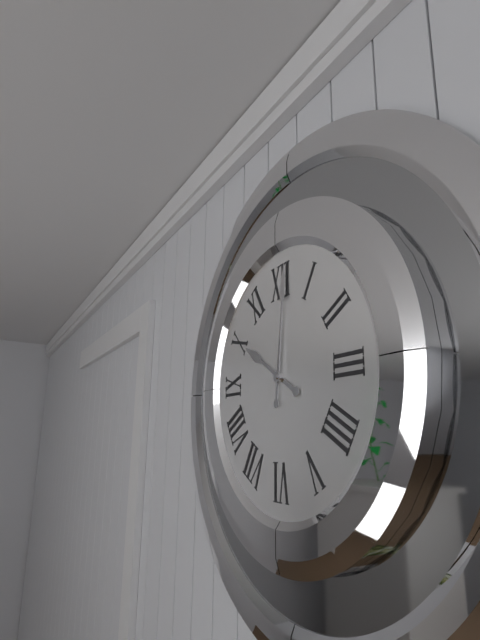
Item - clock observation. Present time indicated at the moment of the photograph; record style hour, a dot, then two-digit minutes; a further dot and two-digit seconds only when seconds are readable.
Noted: 10.01
